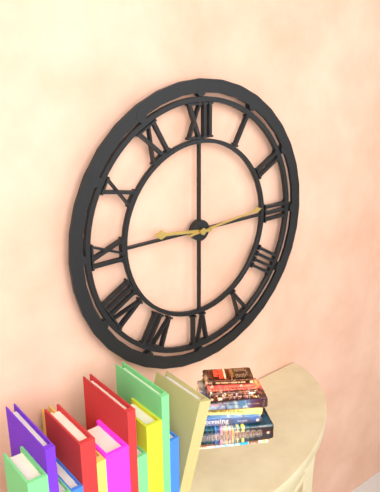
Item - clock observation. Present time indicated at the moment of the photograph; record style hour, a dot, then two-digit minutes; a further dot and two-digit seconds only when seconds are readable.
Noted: 9.14
